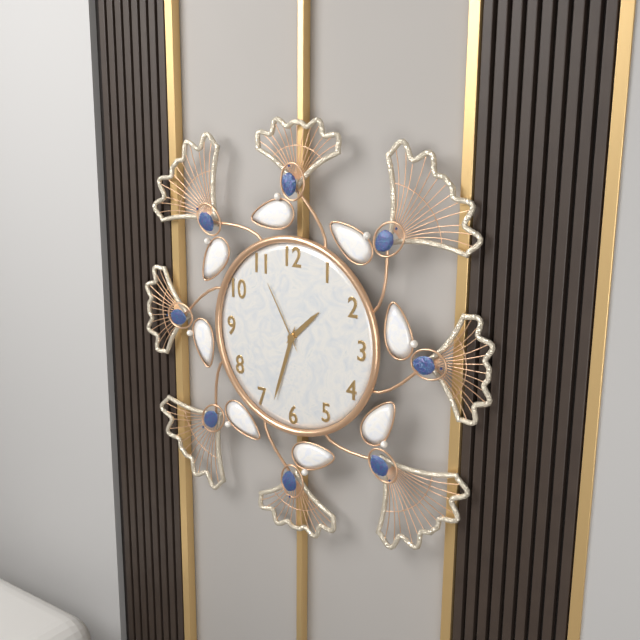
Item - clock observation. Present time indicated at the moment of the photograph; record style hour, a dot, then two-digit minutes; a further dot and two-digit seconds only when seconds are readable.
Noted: 1.33.55
